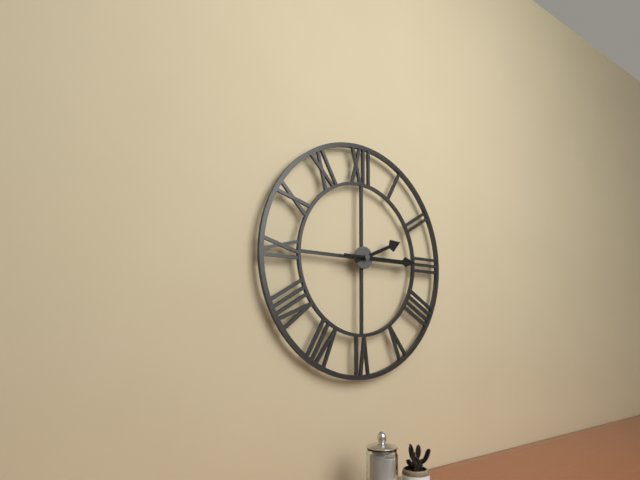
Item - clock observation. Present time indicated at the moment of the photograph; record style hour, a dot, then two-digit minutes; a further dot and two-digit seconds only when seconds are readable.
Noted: 2.15
